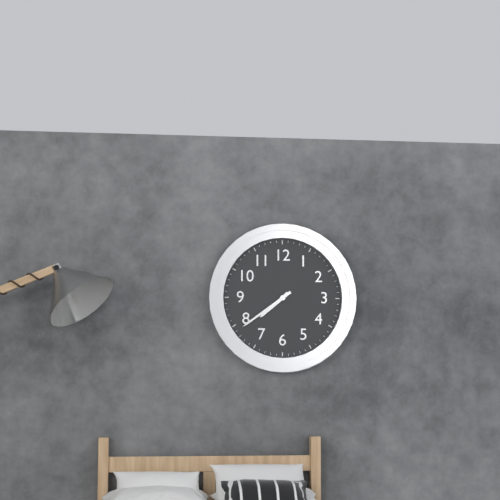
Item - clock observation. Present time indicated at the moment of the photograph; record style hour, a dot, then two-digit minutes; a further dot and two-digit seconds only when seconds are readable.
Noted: 7.39
